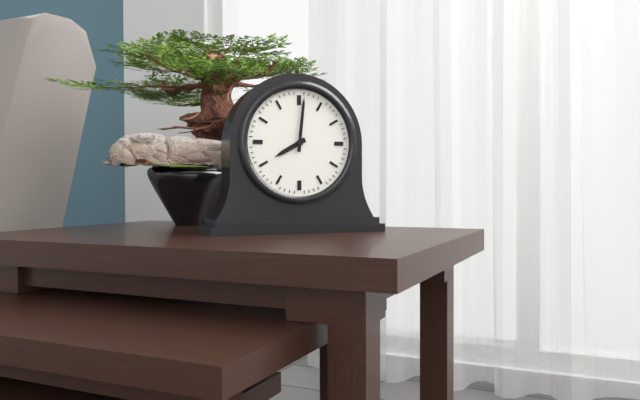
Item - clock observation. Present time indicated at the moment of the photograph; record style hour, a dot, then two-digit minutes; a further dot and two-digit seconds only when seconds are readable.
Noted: 8.01
